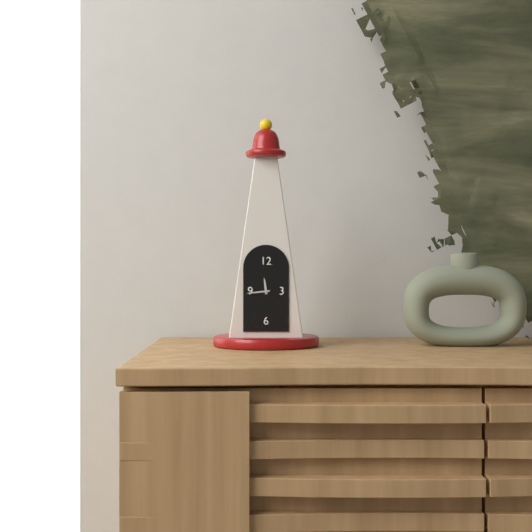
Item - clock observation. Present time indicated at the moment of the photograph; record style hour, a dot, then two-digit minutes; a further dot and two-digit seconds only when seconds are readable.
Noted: 11.44
